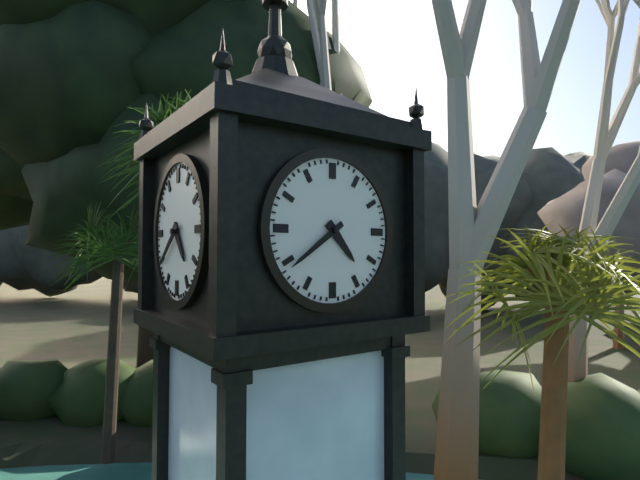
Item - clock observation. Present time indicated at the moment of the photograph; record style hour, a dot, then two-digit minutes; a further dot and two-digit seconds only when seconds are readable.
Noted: 4.39
